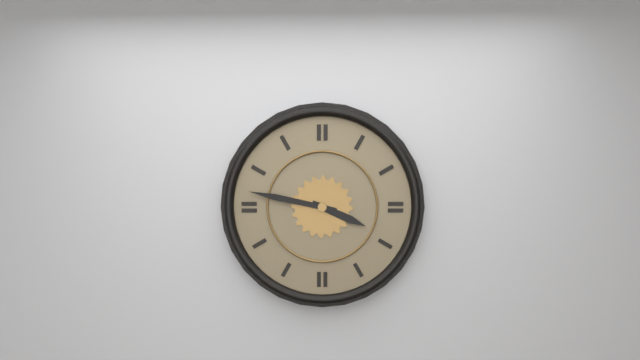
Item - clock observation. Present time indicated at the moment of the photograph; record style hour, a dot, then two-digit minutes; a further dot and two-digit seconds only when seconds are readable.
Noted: 3.47
